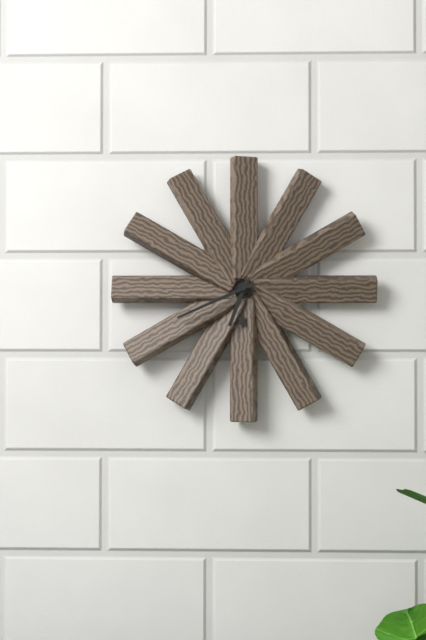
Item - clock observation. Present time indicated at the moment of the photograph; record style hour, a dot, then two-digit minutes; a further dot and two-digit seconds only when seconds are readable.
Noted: 6.41
